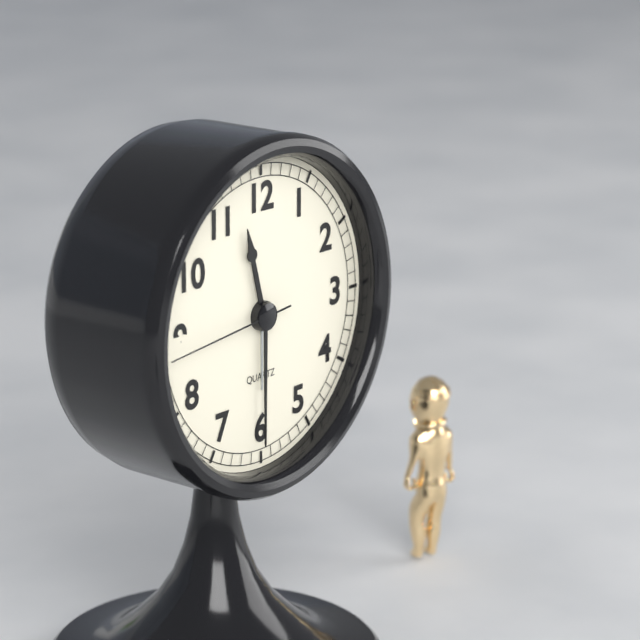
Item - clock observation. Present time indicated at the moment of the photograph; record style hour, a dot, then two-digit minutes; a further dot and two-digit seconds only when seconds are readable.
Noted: 11.30.44
